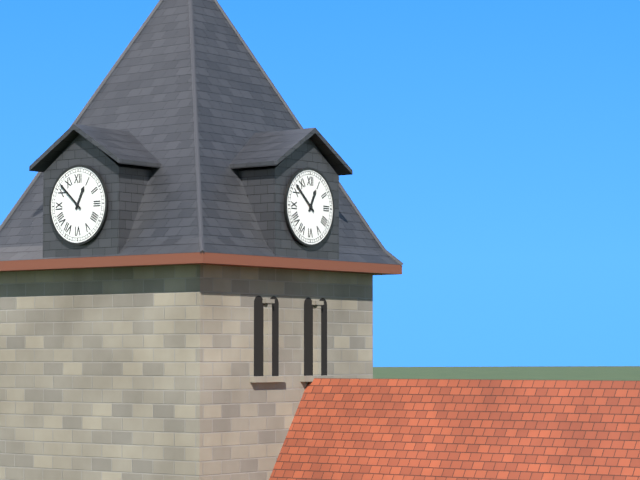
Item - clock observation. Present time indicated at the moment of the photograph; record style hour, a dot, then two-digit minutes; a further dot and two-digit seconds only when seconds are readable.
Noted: 12.52
